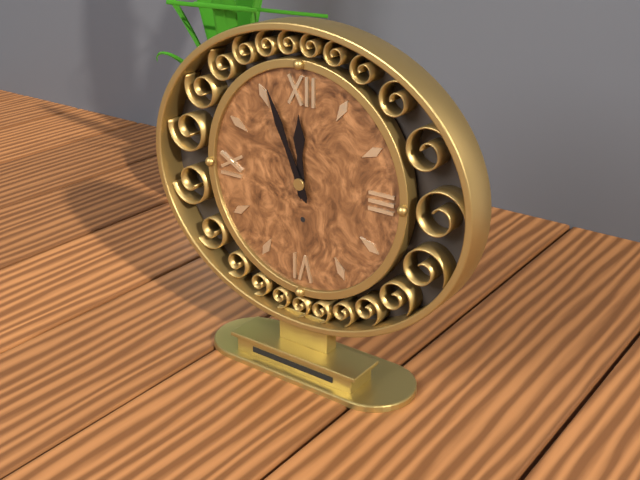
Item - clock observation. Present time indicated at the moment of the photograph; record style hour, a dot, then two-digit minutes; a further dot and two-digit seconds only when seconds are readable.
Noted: 11.56
